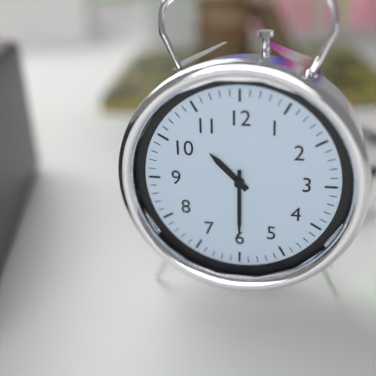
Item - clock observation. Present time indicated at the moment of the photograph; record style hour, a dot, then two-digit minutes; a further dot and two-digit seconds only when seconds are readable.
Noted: 10.30
